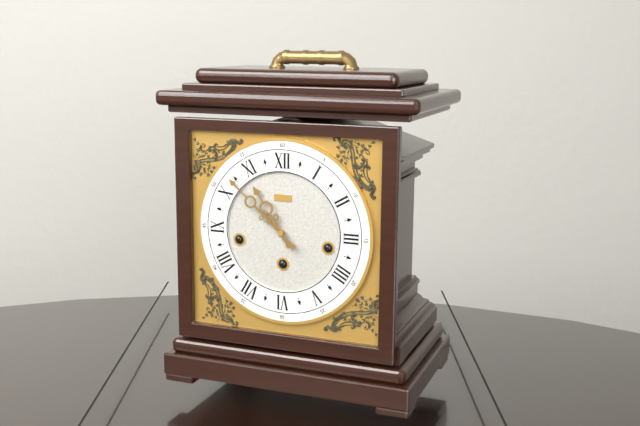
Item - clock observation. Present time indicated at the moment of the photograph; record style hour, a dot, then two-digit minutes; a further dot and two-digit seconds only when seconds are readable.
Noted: 10.52
